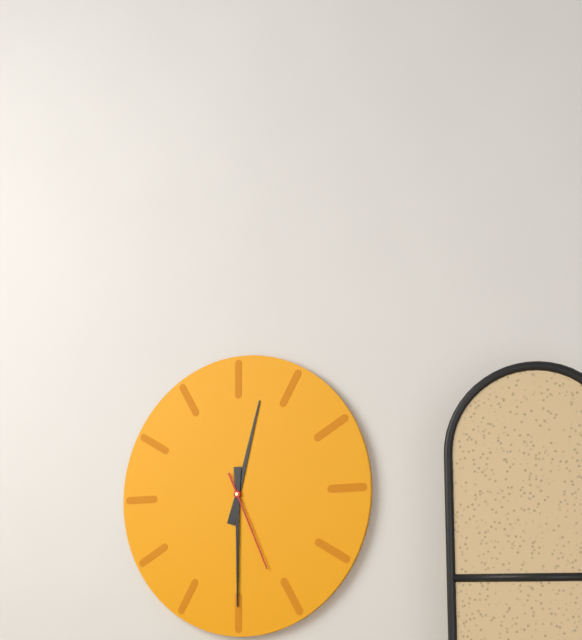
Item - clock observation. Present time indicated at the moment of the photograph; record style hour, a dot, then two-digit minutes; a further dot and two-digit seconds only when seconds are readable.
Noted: 12.30.26
